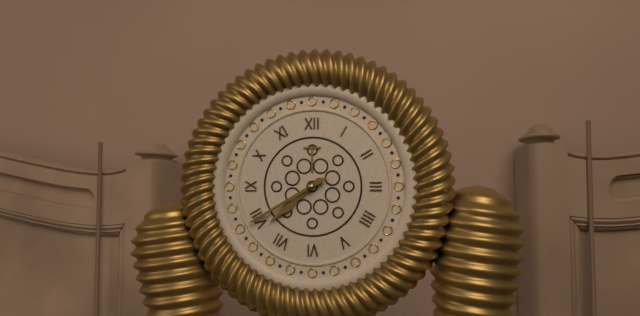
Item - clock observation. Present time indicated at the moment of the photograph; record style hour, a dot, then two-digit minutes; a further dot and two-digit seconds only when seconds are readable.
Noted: 7.40
